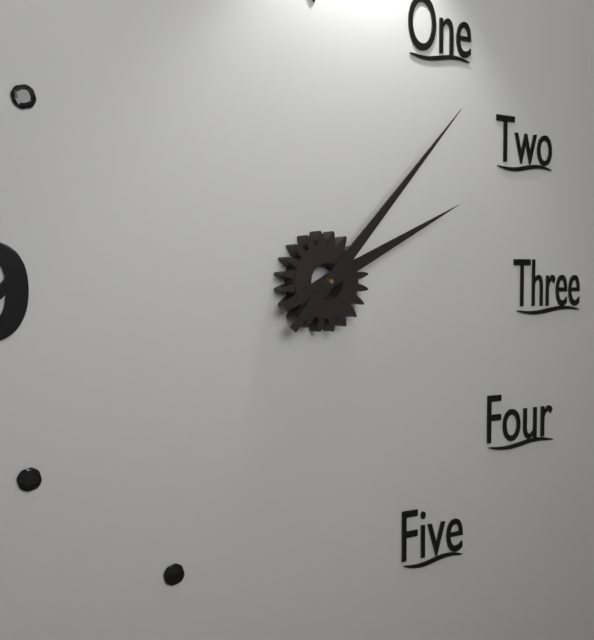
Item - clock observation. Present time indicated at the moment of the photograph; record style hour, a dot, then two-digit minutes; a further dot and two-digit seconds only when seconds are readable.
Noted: 2.07
